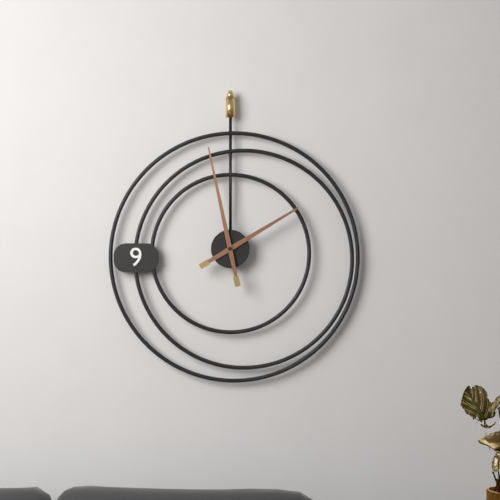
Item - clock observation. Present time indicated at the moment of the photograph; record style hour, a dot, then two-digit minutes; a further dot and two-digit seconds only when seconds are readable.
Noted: 1.58
